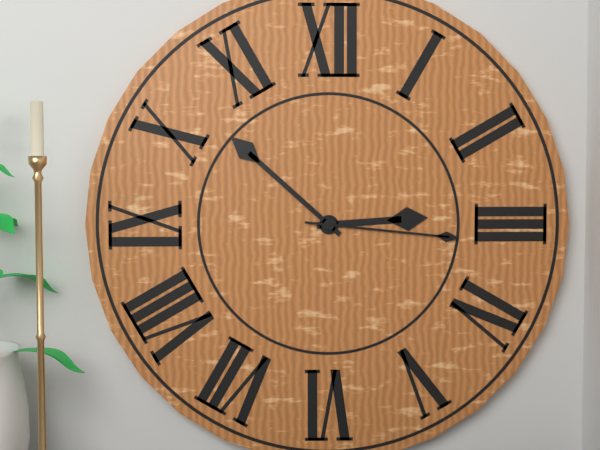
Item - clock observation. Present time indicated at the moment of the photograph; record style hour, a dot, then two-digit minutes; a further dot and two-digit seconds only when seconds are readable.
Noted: 2.52.16
